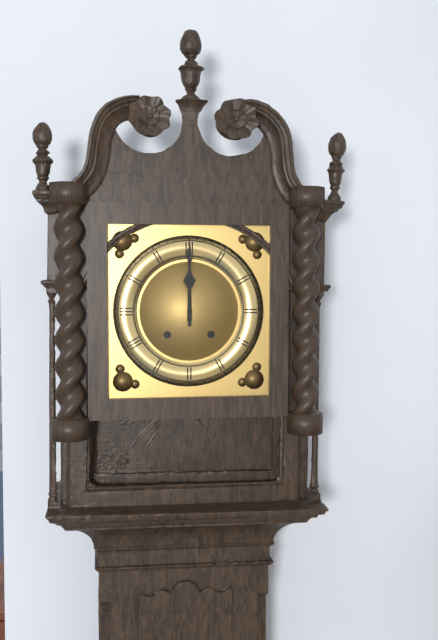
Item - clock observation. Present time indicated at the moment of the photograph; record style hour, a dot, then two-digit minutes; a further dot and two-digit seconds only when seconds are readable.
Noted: 12.00
